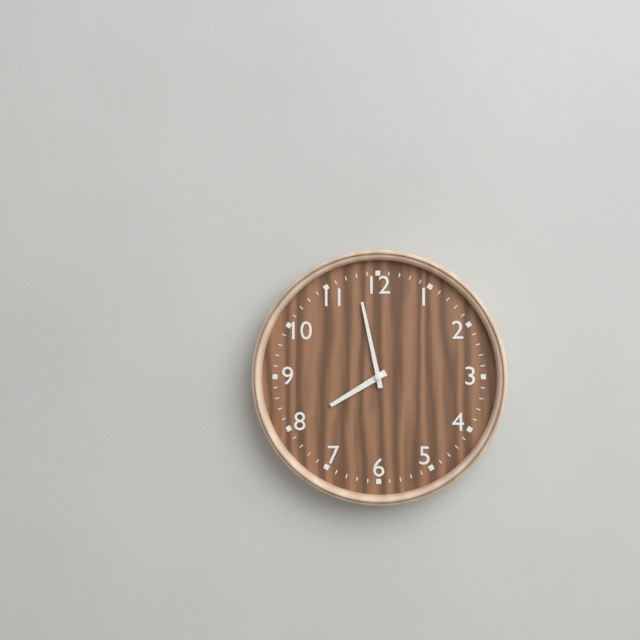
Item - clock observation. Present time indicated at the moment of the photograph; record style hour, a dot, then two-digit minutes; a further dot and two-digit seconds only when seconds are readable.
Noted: 7.58
